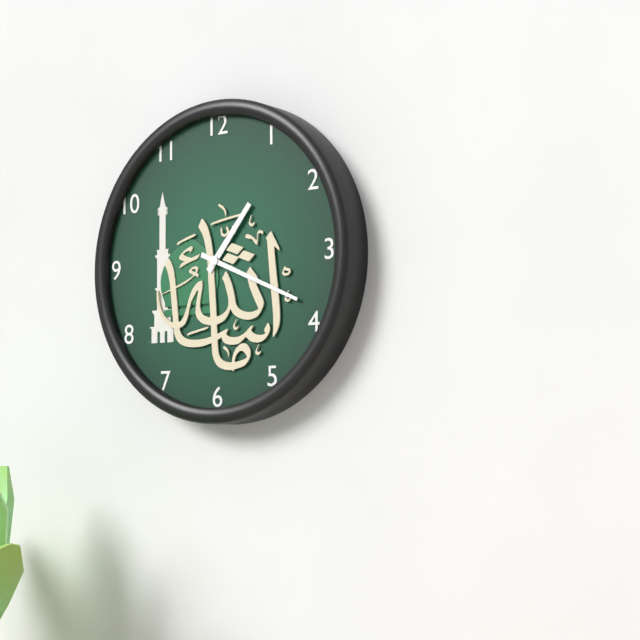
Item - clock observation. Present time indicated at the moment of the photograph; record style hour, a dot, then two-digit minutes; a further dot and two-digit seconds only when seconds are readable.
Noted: 1.19
